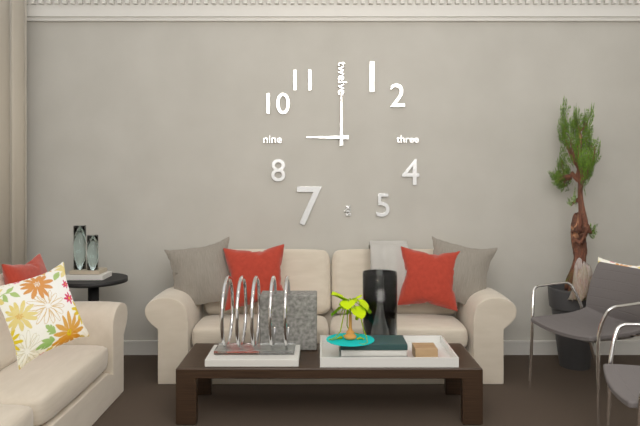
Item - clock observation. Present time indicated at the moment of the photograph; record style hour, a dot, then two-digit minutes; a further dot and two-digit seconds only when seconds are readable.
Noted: 9.00
